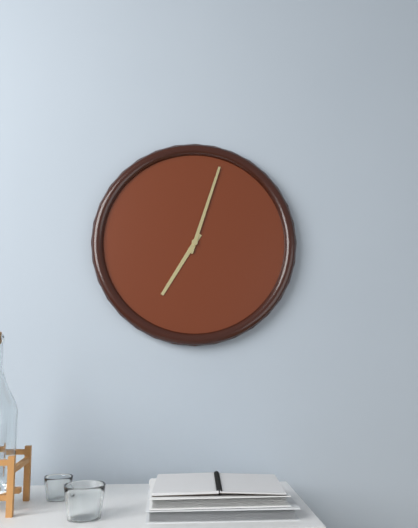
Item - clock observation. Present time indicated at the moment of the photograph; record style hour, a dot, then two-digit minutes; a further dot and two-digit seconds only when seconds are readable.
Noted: 7.03
